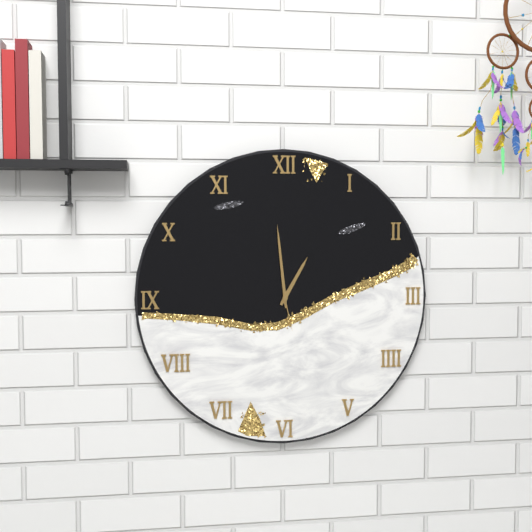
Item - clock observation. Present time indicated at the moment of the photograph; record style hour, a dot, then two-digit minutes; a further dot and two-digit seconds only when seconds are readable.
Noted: 12.59
